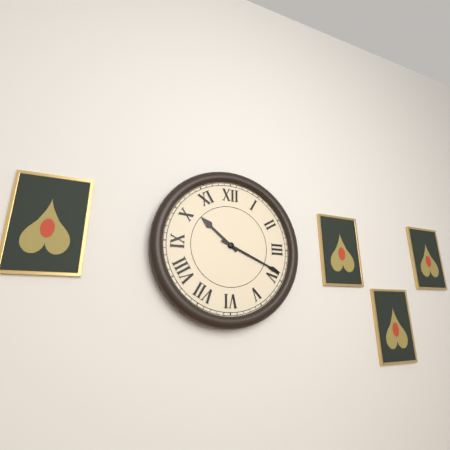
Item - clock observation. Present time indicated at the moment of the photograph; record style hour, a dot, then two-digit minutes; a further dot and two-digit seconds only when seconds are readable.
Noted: 10.19
